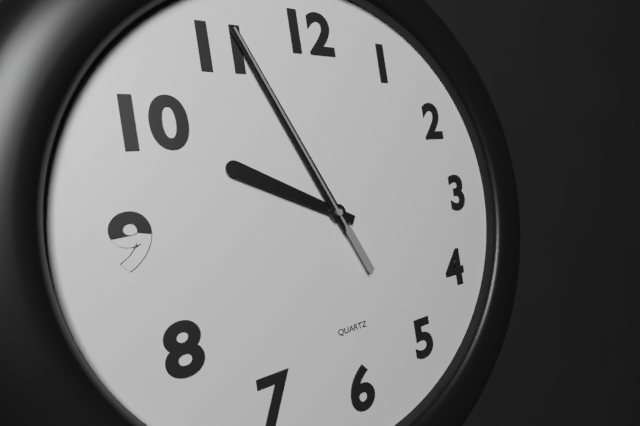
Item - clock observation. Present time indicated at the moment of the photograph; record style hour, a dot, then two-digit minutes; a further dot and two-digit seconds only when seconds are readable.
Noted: 9.56.56
